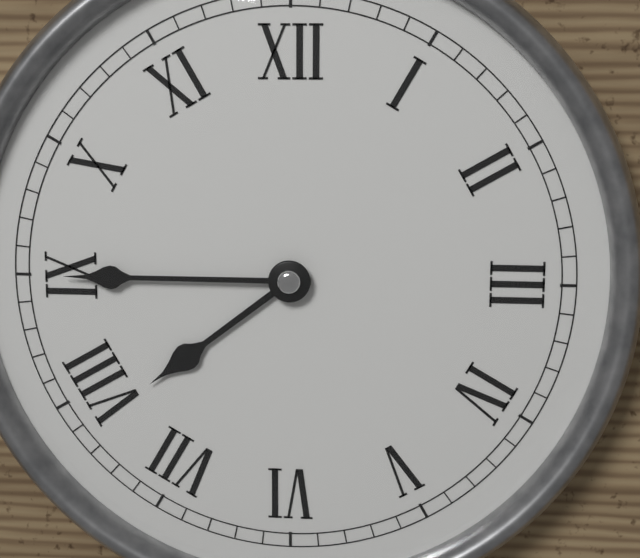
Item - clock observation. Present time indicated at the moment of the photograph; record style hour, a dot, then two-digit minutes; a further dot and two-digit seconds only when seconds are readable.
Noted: 7.45
